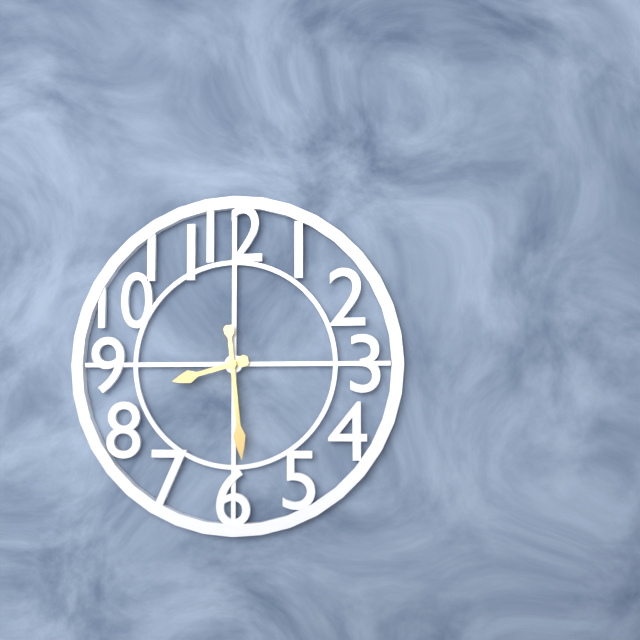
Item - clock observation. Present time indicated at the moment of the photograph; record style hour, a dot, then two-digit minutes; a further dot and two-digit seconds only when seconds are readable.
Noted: 8.29
